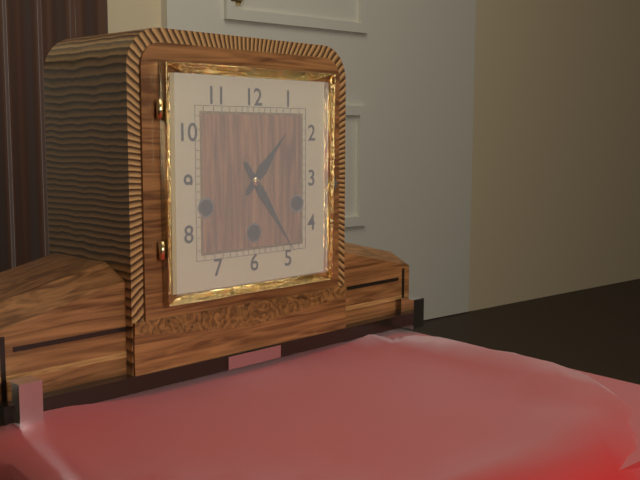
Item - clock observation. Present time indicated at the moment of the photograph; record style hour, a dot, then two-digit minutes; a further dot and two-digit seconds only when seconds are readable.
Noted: 1.24
